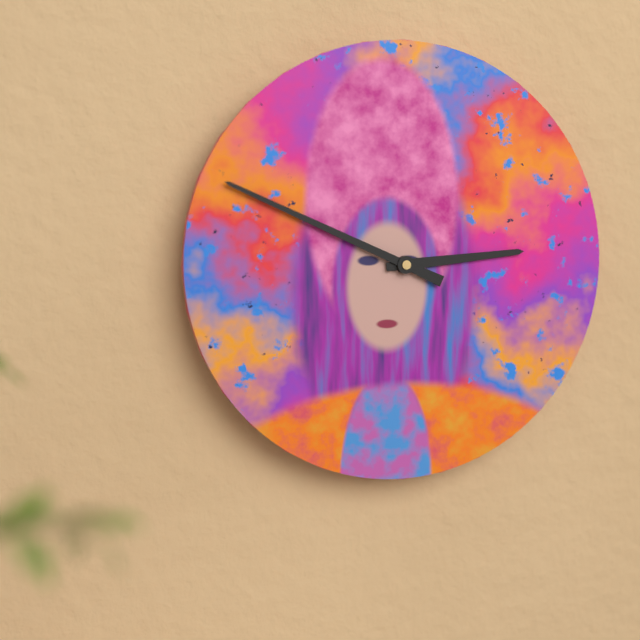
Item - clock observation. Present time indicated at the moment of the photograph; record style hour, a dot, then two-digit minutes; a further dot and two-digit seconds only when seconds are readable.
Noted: 2.49
